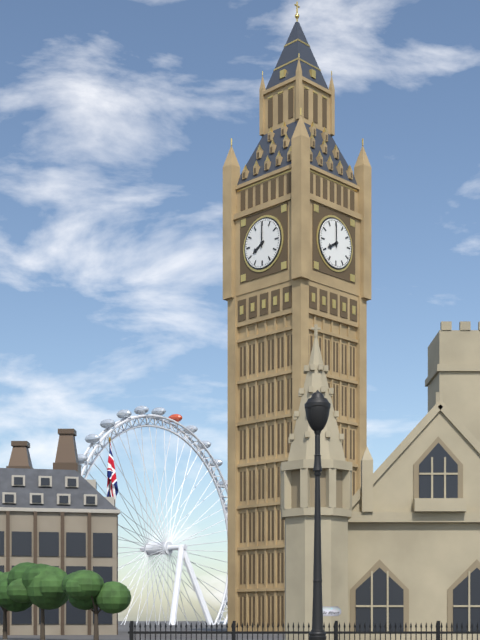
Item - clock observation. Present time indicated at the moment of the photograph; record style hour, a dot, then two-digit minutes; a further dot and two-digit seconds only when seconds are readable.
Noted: 8.00
